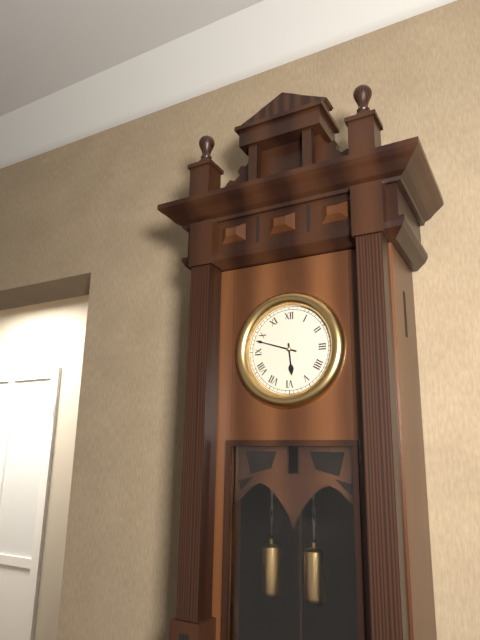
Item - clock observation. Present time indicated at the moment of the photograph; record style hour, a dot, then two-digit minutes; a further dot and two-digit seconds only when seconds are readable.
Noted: 5.48
